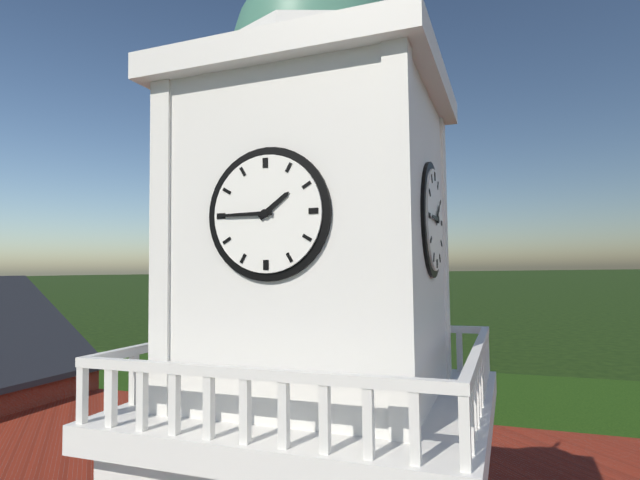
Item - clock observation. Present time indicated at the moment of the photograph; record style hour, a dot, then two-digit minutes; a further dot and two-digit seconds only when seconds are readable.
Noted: 1.45
